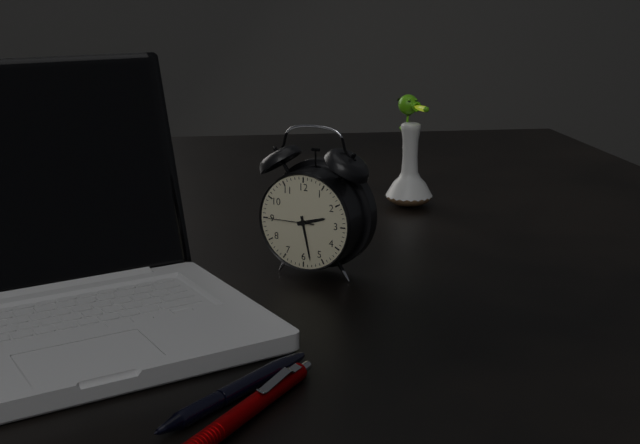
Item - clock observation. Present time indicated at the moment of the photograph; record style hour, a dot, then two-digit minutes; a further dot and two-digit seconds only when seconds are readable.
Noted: 2.28.45
